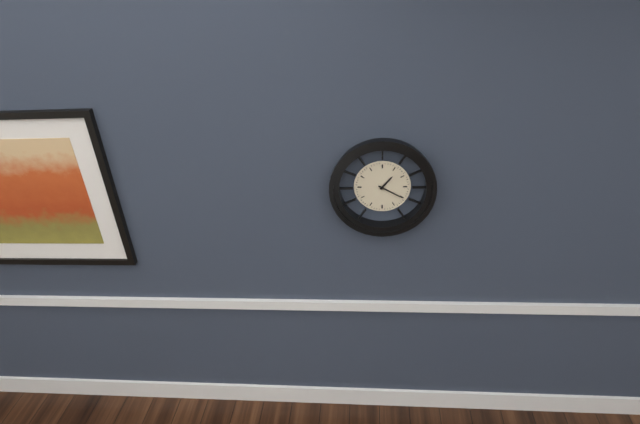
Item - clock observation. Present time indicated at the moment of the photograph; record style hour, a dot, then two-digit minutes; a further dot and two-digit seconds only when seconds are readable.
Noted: 1.20
